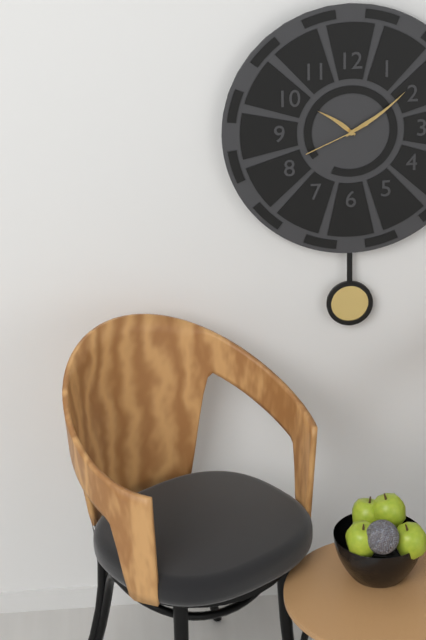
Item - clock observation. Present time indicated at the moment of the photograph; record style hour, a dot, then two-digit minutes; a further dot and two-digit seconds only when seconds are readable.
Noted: 10.09.41
